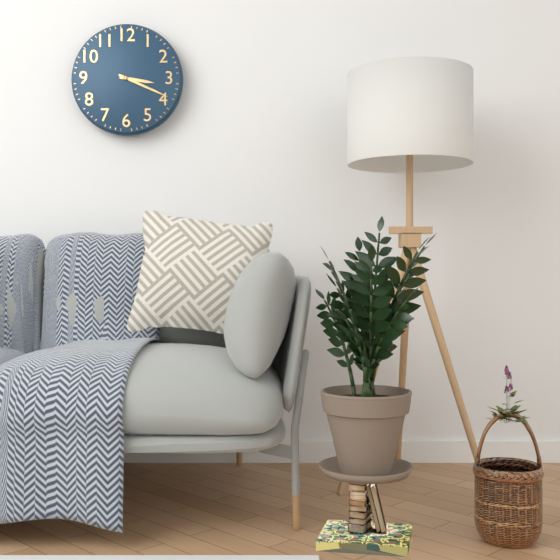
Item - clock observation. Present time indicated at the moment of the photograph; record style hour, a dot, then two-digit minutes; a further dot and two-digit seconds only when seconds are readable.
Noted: 3.19
